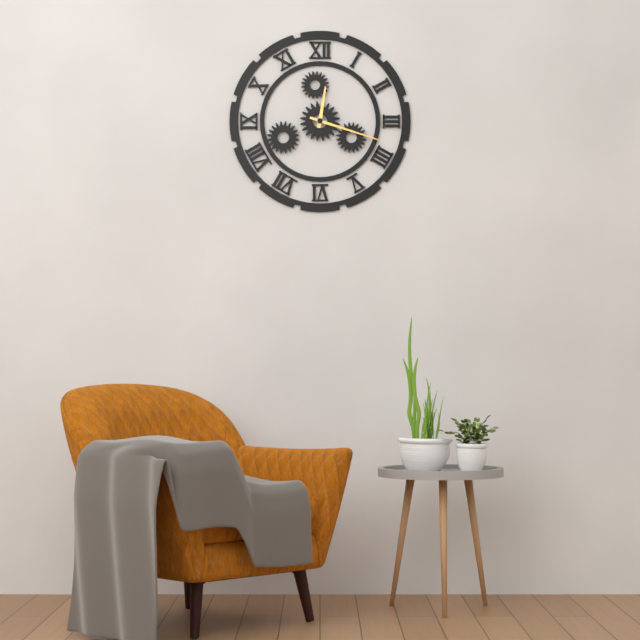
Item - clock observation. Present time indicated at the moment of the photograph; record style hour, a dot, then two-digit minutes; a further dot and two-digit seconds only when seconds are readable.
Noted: 12.18
